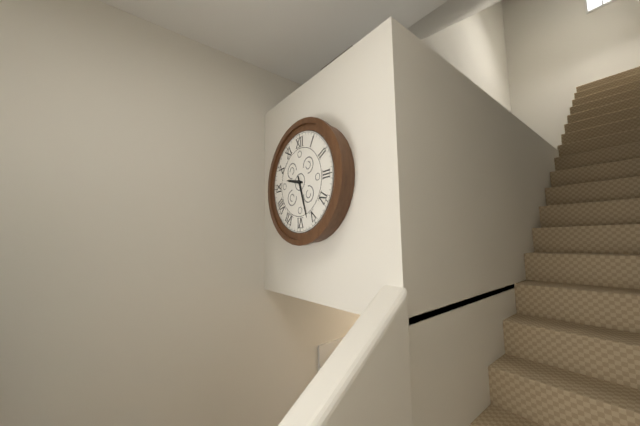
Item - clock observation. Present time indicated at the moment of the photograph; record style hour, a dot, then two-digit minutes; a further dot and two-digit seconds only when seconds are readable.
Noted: 9.27
